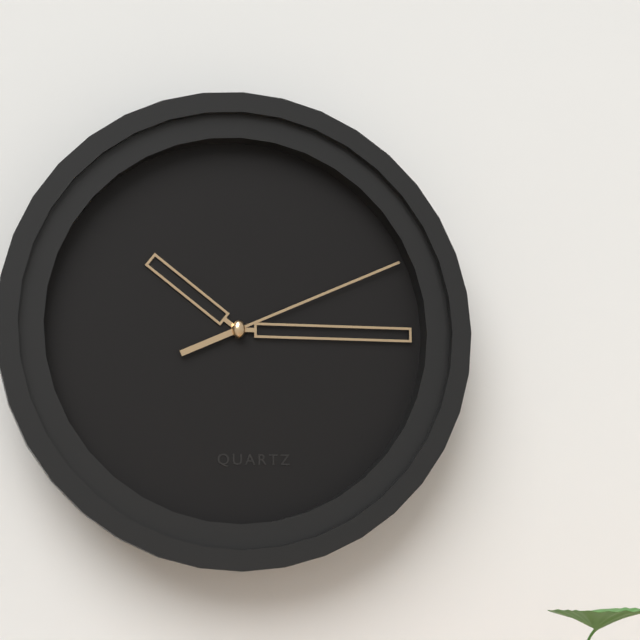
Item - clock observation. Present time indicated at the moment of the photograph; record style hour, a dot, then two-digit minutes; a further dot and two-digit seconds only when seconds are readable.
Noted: 10.15.11
